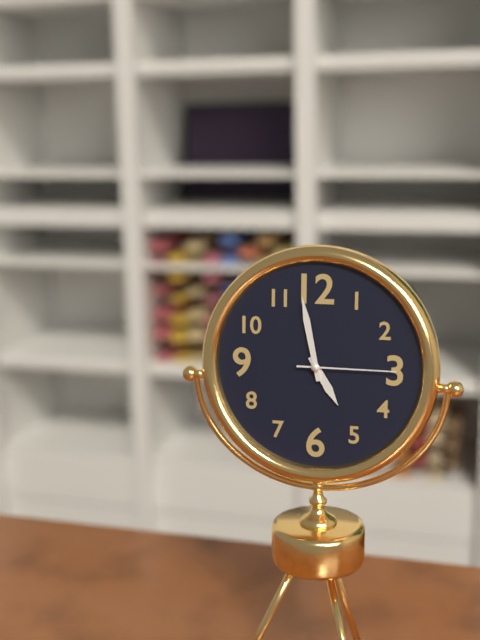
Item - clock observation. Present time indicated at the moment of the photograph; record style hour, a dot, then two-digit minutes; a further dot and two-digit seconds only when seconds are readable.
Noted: 4.58.15
